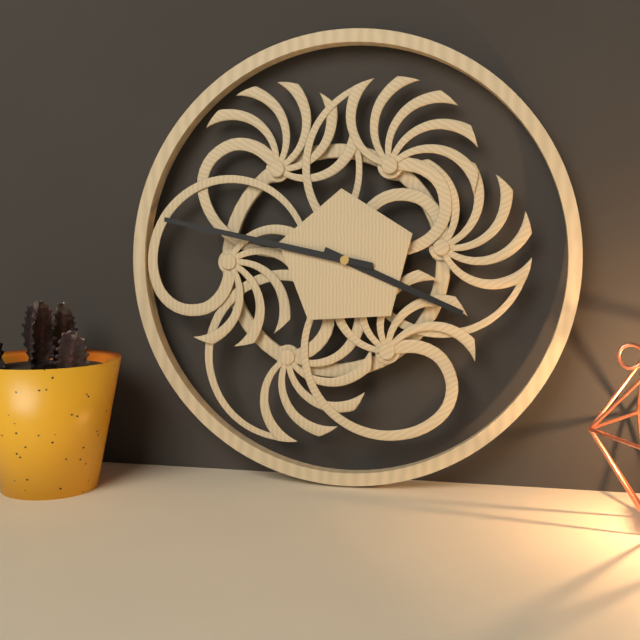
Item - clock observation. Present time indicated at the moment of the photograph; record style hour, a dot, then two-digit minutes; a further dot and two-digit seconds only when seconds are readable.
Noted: 3.47
